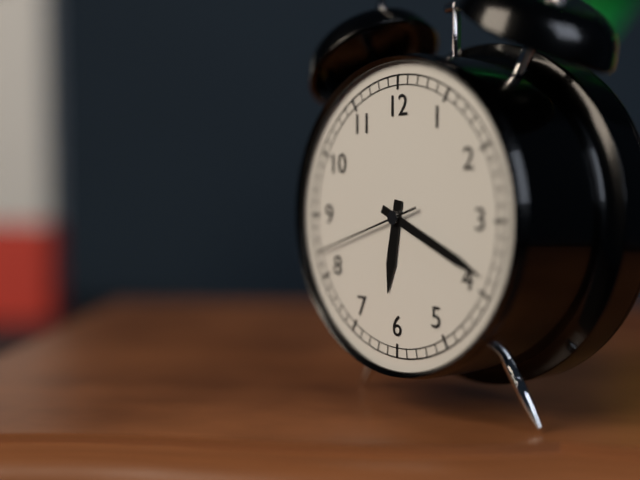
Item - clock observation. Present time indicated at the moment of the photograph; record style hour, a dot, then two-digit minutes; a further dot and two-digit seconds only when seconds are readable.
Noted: 6.19.42
